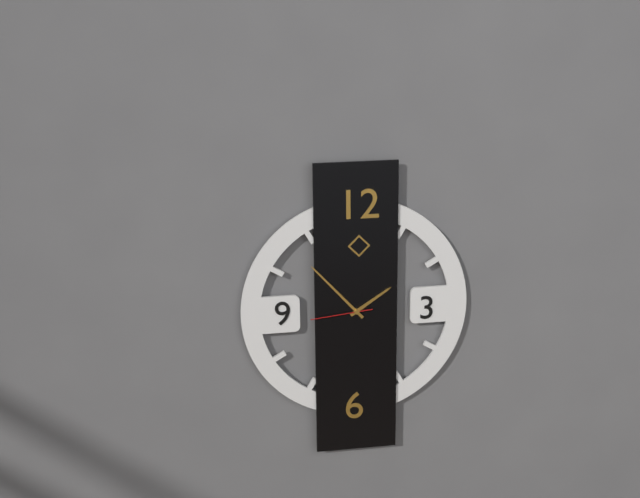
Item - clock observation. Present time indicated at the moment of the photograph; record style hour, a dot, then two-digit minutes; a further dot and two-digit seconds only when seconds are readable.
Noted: 1.53.44
